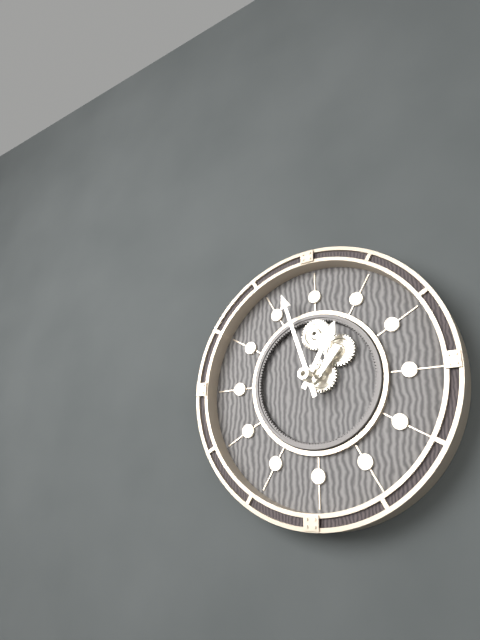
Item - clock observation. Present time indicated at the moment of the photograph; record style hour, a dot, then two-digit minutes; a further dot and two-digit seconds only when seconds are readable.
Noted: 12.57
